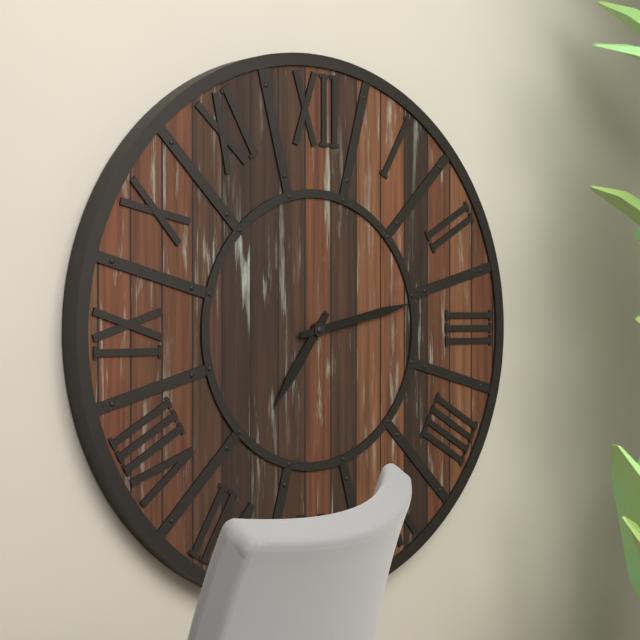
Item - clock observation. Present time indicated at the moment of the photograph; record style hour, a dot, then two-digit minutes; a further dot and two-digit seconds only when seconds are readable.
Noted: 7.13
